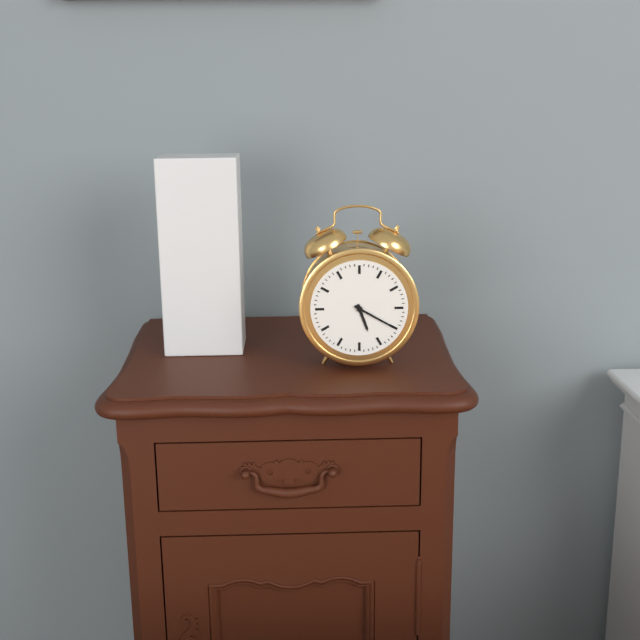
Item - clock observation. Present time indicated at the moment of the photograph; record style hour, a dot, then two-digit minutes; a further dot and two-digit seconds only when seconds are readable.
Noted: 5.20
